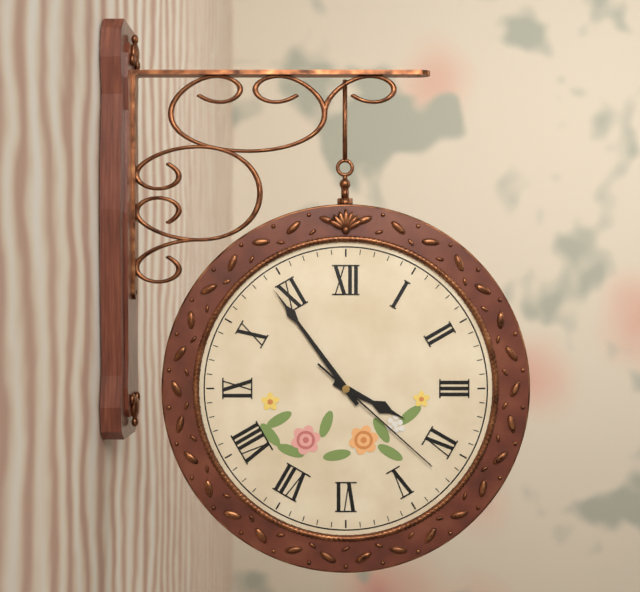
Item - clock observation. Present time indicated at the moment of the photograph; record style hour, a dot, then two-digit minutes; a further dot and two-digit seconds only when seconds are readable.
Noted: 3.54.22
